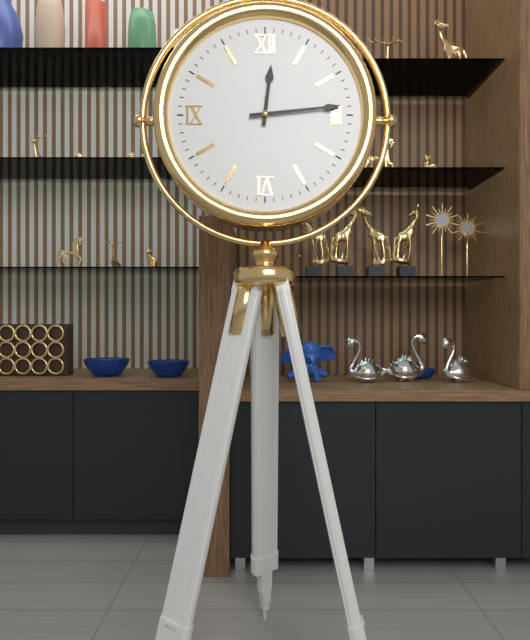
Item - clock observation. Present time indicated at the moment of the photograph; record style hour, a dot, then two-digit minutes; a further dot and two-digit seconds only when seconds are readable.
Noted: 12.14
